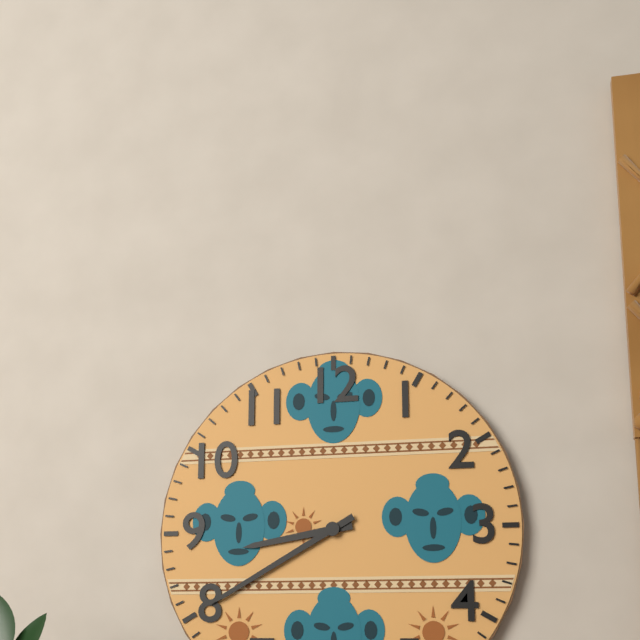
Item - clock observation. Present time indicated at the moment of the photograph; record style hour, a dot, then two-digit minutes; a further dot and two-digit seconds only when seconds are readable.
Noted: 8.40
